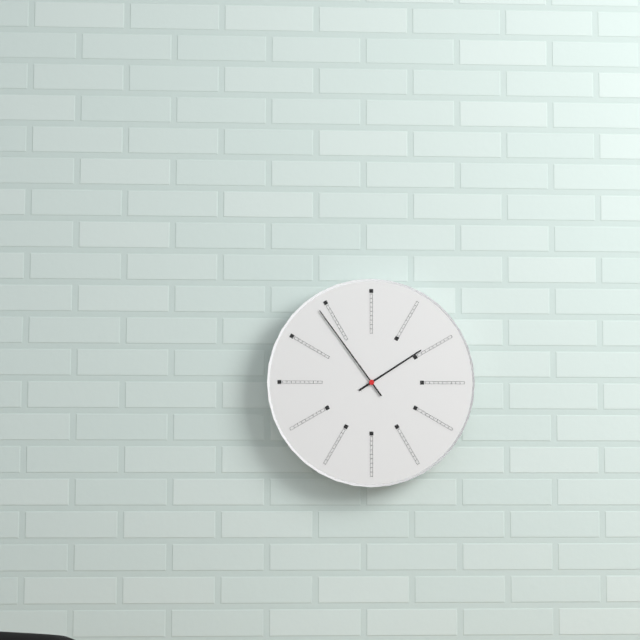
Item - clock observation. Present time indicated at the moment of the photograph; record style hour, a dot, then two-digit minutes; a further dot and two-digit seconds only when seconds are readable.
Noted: 1.54
